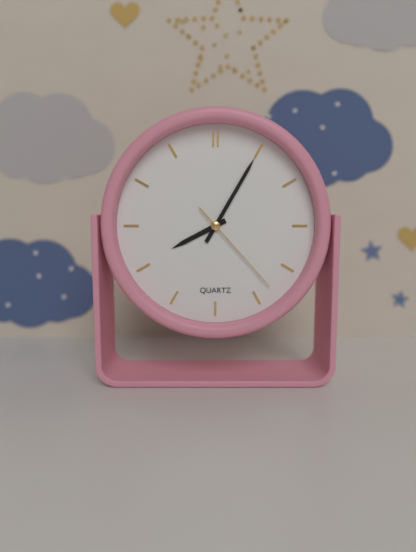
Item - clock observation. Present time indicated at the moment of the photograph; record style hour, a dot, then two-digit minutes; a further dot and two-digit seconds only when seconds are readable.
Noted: 8.05.23
